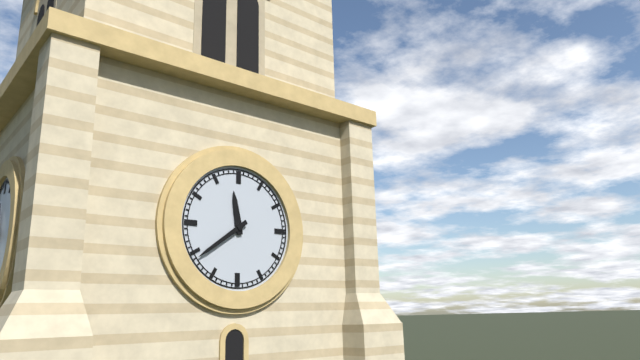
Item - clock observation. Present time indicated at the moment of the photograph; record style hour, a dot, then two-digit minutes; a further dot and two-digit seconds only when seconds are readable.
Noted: 11.39
